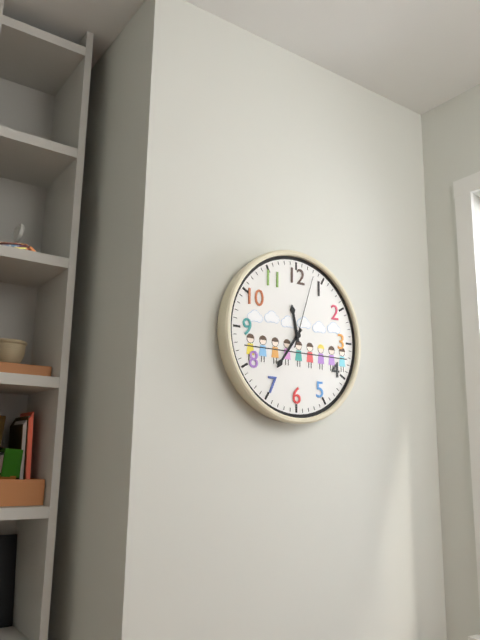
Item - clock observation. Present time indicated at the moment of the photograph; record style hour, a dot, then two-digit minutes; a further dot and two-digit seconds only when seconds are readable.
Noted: 11.36.03
